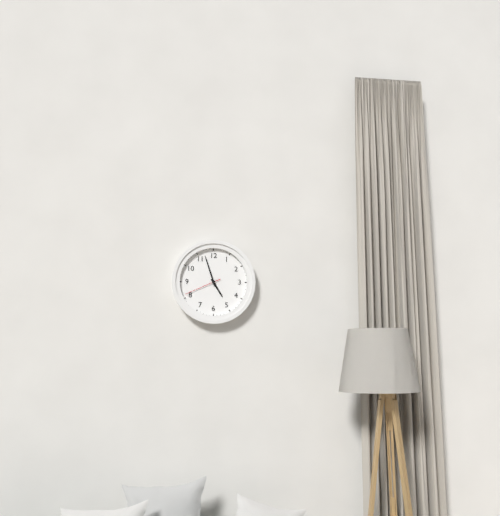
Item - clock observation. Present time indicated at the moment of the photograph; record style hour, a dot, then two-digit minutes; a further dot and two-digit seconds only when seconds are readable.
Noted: 4.57
